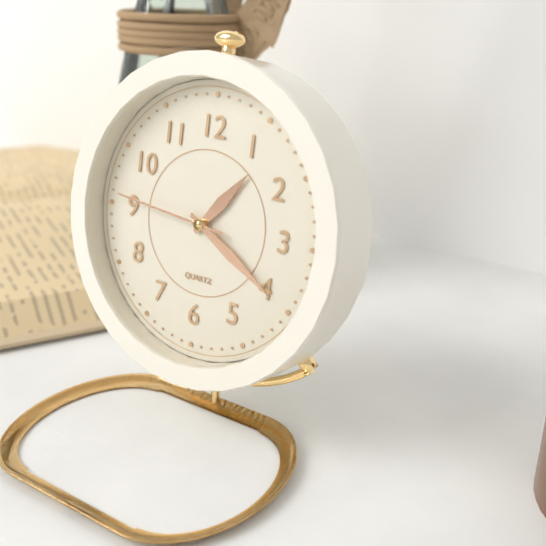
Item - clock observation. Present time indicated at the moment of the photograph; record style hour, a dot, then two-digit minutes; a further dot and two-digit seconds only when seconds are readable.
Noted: 1.20.46
